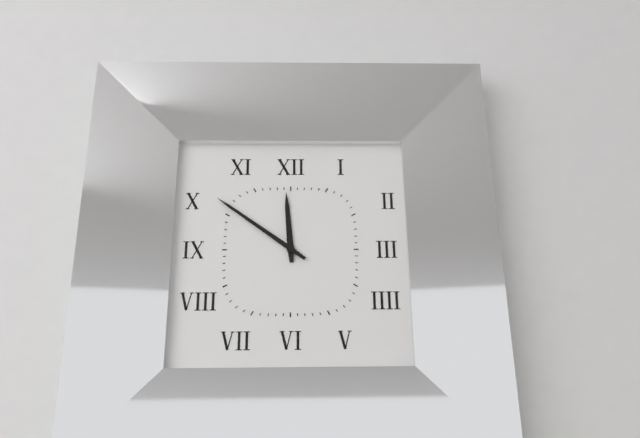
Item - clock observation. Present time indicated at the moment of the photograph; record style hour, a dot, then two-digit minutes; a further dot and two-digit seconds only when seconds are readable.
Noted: 11.51
